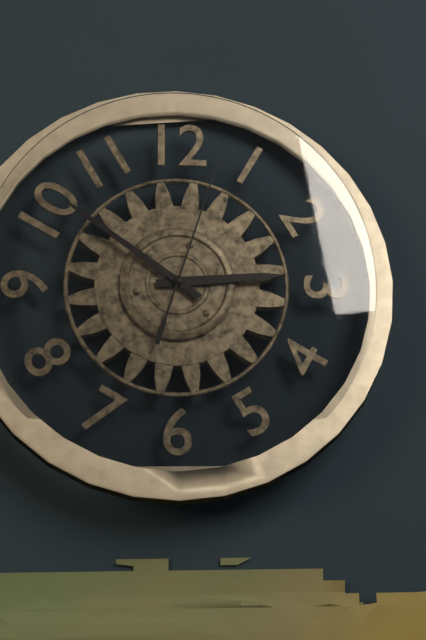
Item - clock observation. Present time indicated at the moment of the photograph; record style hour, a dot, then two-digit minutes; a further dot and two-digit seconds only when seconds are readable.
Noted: 2.51.03
